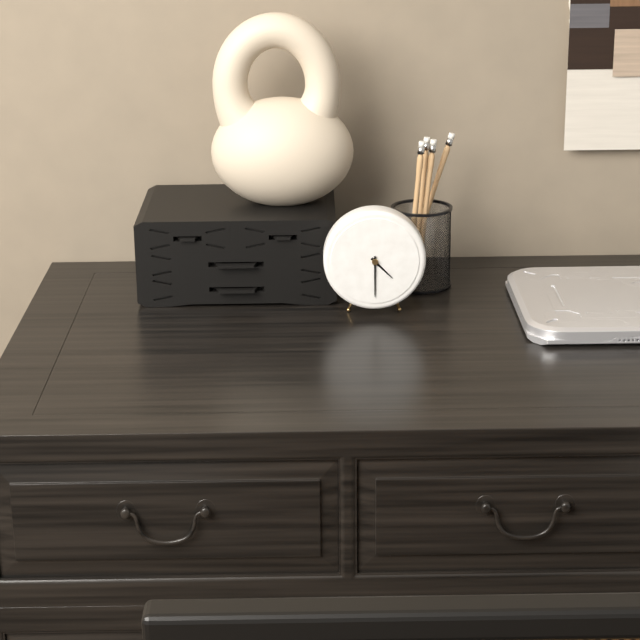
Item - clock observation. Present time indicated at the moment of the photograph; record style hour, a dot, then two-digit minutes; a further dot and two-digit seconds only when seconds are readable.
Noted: 4.30
